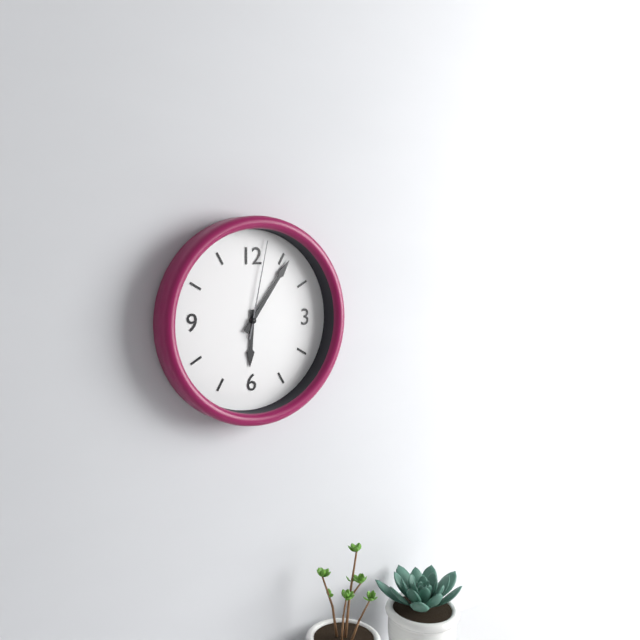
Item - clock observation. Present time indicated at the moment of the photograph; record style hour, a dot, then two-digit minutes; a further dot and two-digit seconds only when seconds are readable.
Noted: 6.06.02
